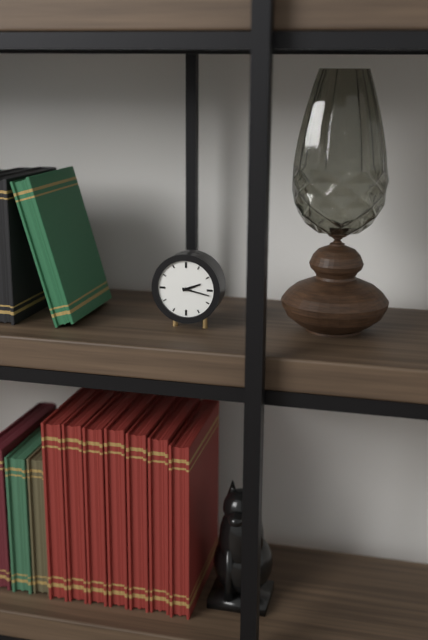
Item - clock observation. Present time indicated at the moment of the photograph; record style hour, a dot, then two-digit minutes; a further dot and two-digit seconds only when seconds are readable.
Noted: 2.17
